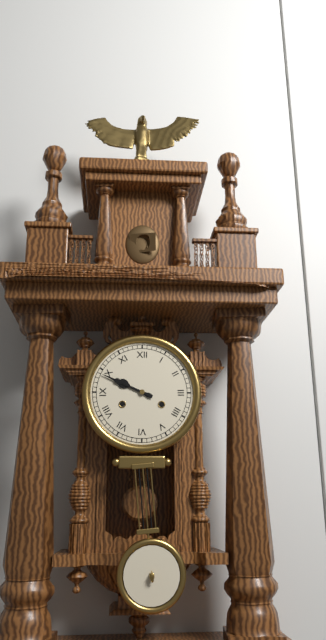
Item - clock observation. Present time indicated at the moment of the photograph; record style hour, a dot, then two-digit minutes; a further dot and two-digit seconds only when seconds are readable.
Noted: 9.49
